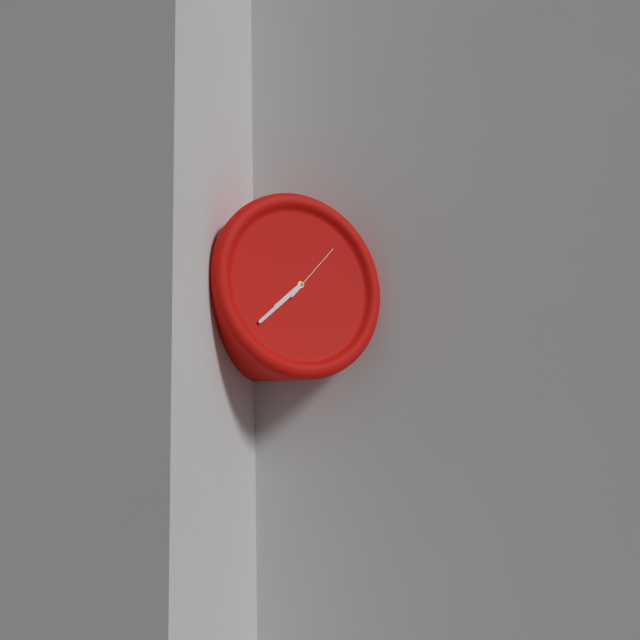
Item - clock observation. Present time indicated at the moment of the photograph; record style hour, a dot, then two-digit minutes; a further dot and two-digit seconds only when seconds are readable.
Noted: 7.38.07
